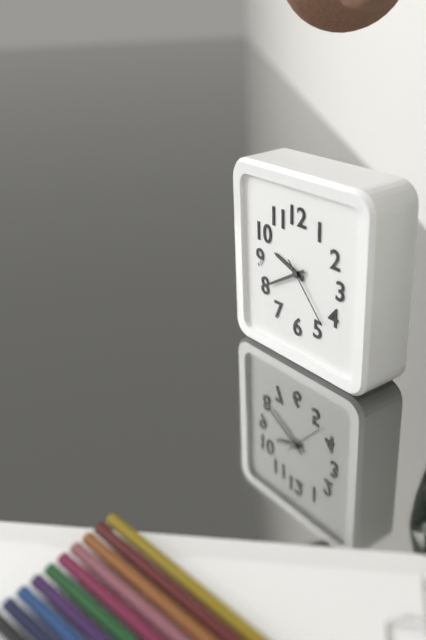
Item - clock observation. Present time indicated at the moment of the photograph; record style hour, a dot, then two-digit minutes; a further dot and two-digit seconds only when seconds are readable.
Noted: 9.40.23
